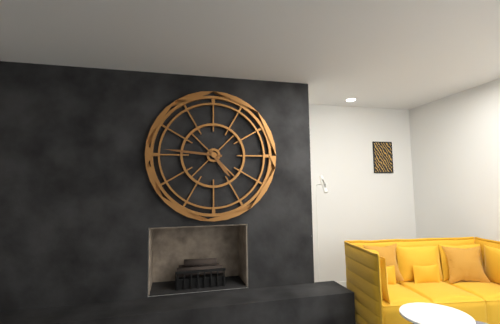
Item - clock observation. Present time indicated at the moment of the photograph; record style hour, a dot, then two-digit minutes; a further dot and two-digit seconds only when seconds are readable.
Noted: 4.46
